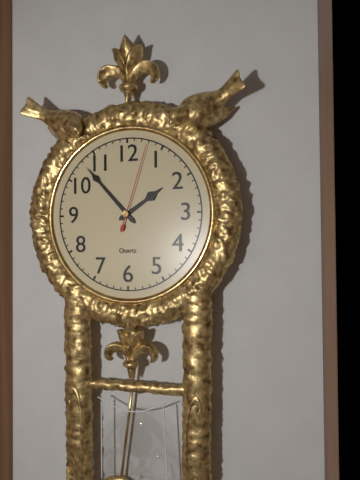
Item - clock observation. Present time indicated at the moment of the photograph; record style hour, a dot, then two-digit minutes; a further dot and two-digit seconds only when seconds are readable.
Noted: 1.53.03
